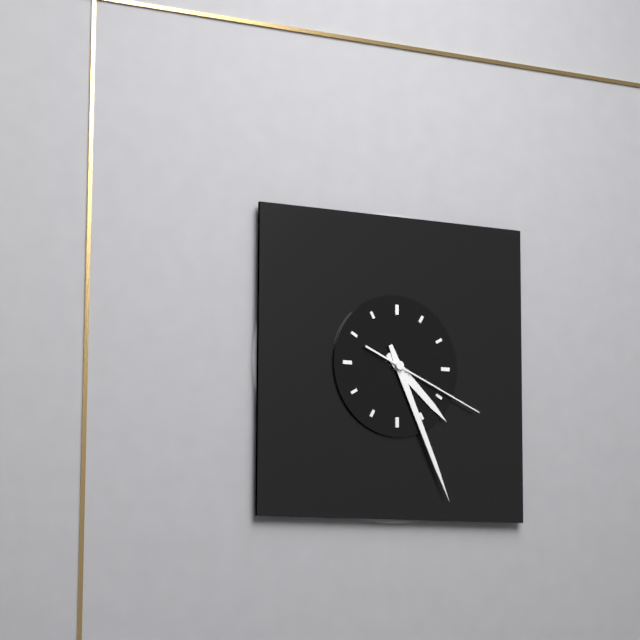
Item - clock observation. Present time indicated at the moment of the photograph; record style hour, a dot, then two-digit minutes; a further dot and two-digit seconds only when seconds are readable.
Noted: 4.26.19
